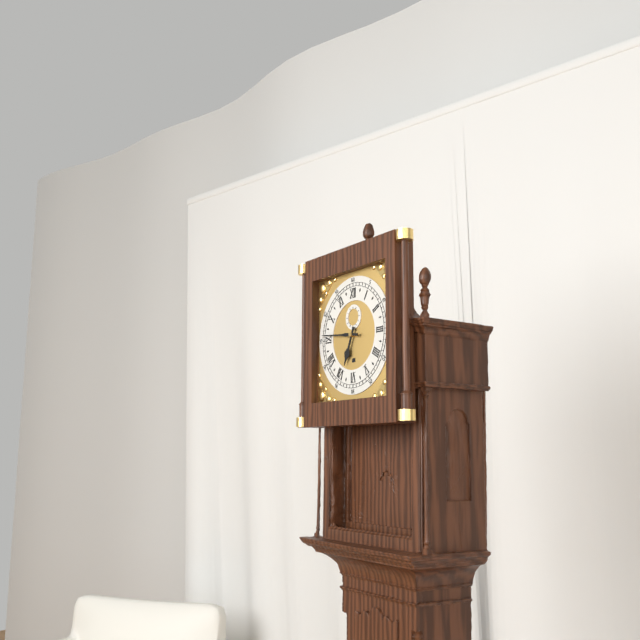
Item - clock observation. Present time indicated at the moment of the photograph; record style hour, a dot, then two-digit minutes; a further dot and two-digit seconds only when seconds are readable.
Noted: 6.46
